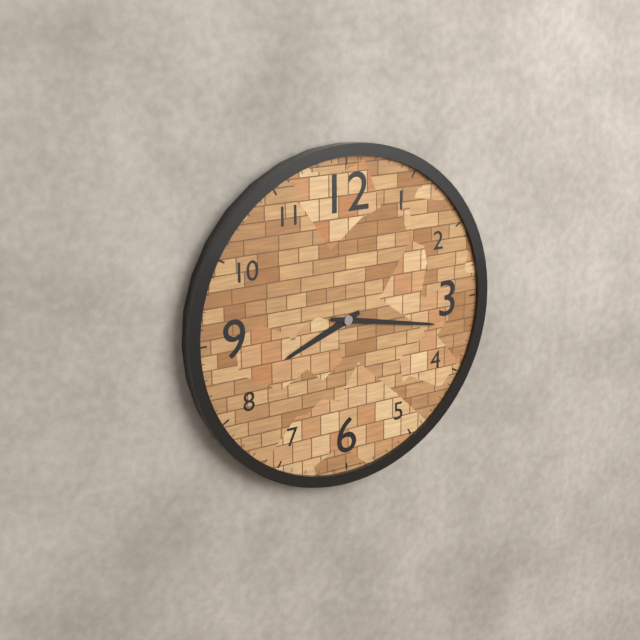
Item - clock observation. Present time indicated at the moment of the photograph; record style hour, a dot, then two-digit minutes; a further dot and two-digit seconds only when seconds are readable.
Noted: 8.17
